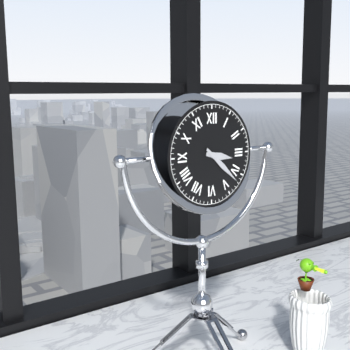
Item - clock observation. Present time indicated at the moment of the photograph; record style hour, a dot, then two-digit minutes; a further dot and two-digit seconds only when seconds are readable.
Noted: 3.22
